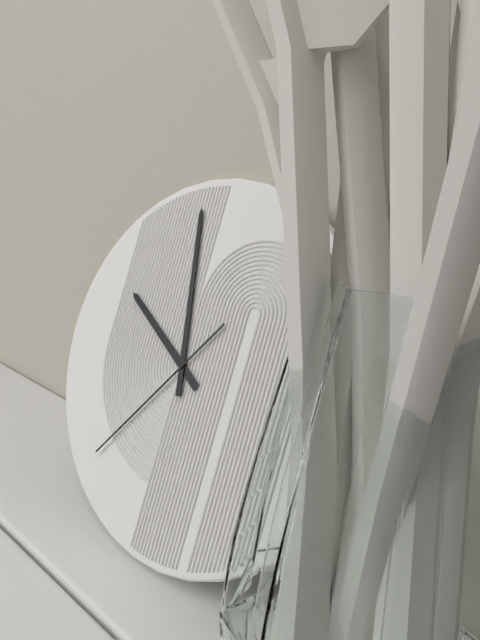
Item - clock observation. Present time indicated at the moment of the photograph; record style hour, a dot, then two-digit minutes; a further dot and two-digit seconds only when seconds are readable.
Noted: 9.58.36
